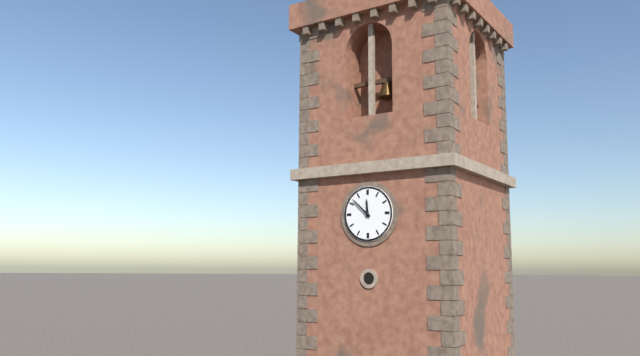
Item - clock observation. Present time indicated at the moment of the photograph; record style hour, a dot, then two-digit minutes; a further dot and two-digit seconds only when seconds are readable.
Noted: 11.52
